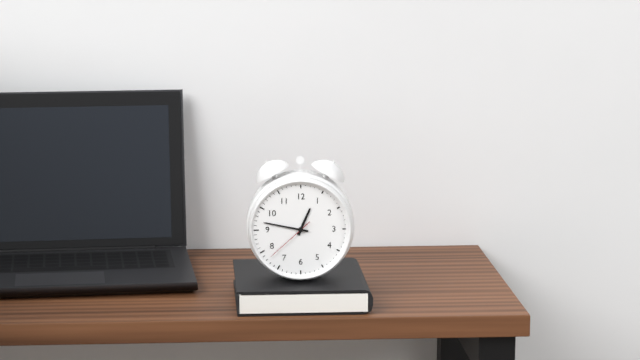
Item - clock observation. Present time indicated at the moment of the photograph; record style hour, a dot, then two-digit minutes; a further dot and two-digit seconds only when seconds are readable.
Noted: 12.47.38
